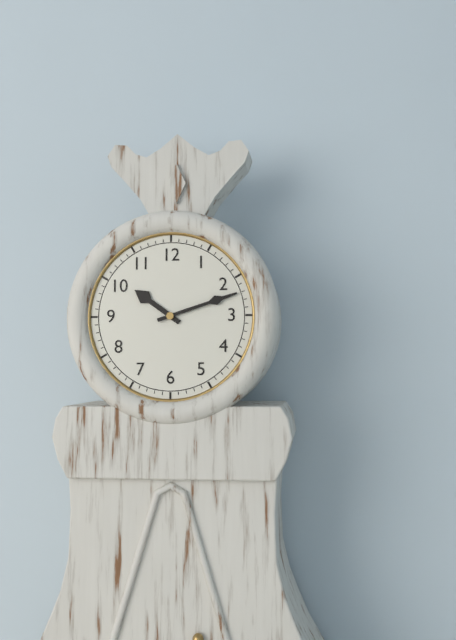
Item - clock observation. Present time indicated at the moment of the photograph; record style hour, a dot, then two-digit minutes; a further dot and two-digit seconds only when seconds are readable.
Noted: 10.12
